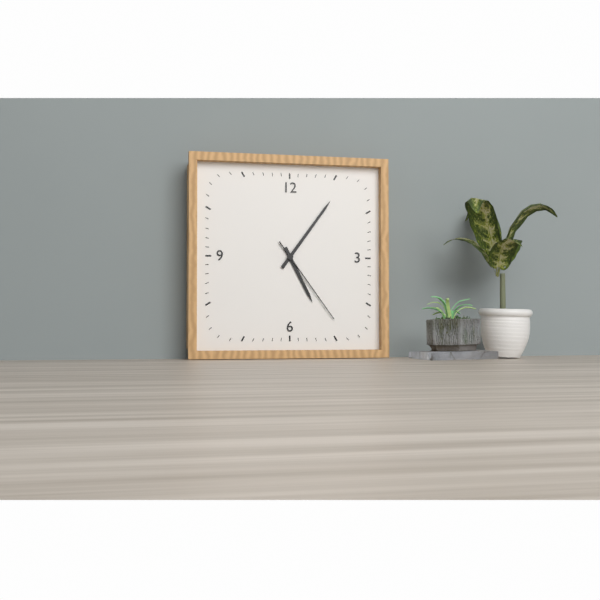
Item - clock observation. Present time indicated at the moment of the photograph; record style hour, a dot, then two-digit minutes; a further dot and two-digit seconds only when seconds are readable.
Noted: 5.06.24
